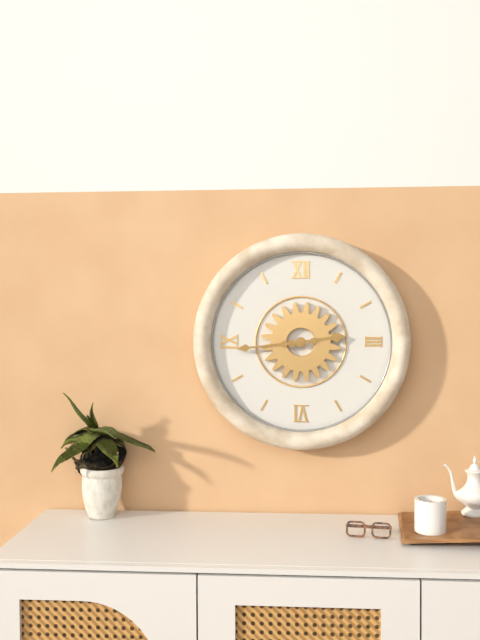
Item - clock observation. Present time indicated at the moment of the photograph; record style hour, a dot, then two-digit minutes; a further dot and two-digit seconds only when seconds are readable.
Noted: 2.44
